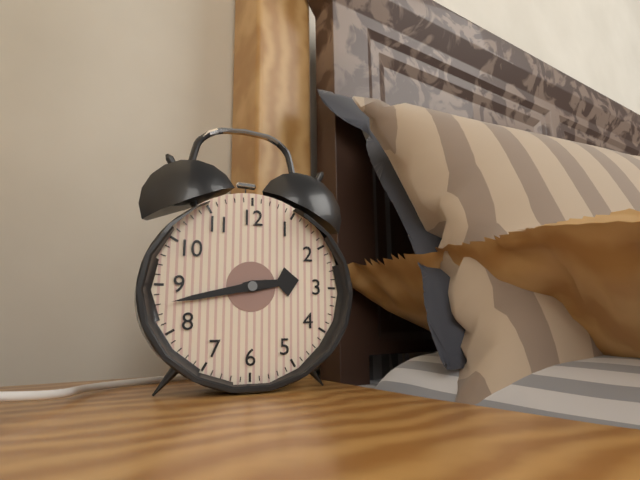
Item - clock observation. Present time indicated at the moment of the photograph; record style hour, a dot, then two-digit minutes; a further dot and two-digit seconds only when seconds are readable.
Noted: 2.43
